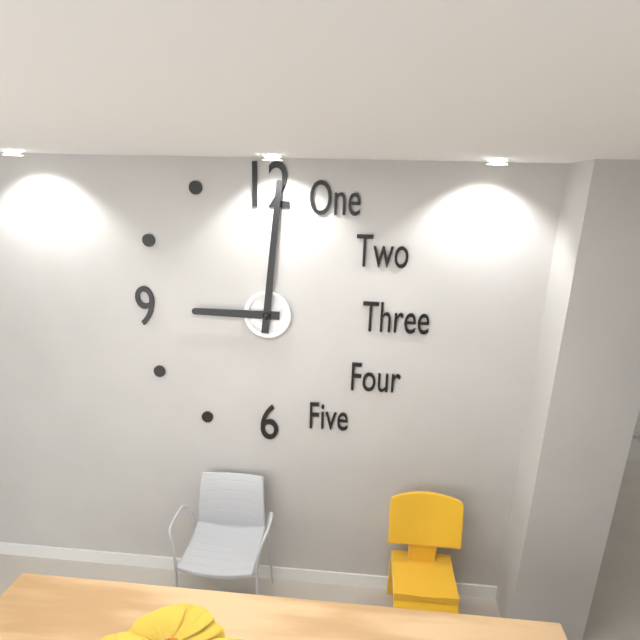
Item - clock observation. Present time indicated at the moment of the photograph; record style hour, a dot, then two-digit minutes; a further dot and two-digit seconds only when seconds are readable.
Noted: 9.01
